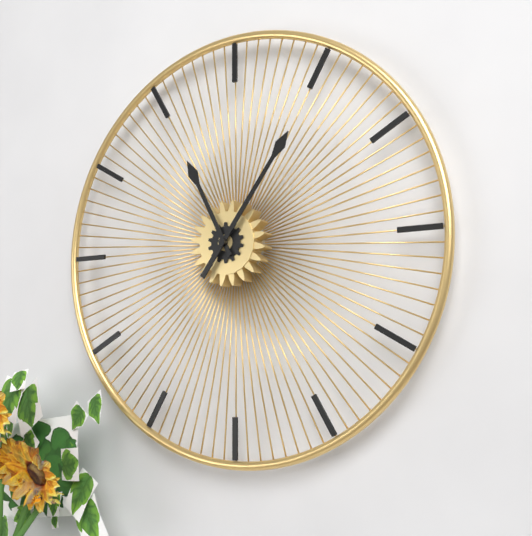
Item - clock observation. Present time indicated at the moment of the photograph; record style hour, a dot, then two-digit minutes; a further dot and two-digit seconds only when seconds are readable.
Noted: 11.06
